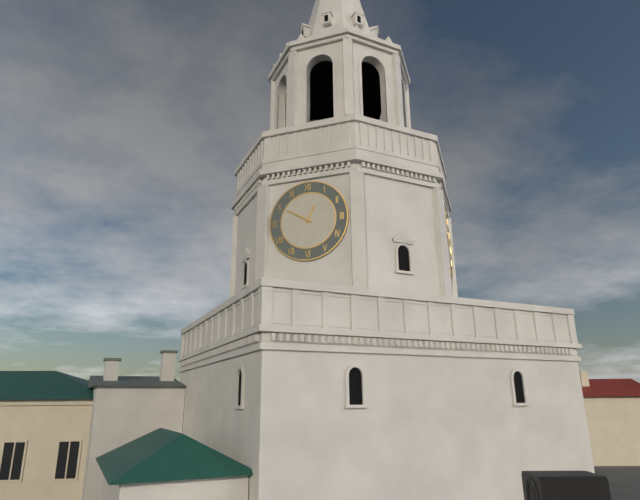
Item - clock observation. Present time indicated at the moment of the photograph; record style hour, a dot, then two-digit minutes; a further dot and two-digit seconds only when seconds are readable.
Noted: 12.50
